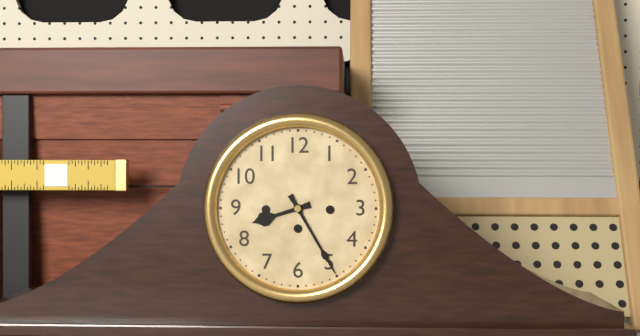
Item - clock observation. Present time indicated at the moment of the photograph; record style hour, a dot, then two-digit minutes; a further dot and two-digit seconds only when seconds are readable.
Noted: 8.25
